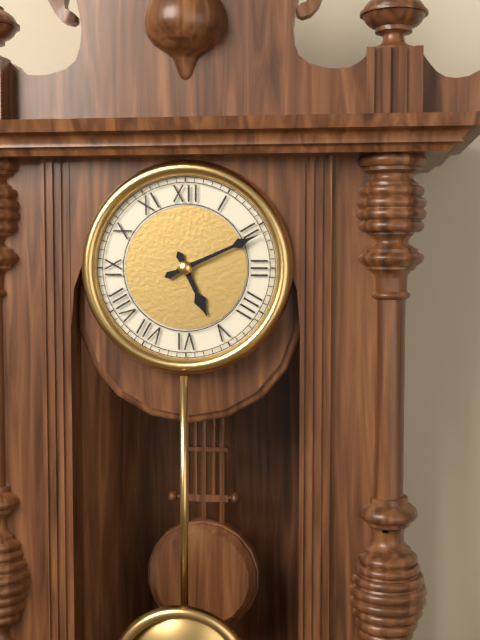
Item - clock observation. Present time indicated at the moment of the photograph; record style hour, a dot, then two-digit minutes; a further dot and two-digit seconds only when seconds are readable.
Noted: 5.11
